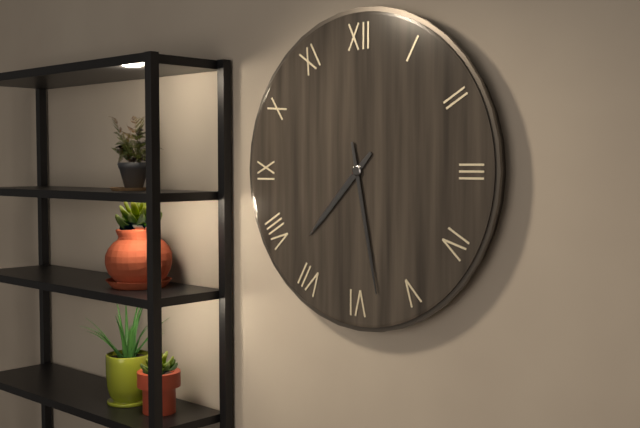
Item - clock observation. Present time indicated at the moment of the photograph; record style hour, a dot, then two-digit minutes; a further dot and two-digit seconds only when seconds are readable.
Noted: 7.28
